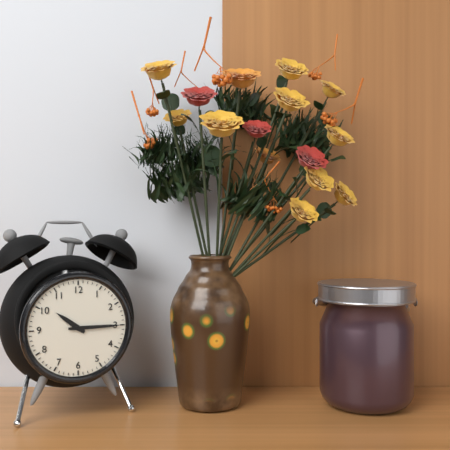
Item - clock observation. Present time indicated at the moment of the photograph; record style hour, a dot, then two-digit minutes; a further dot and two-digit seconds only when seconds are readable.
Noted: 10.15
